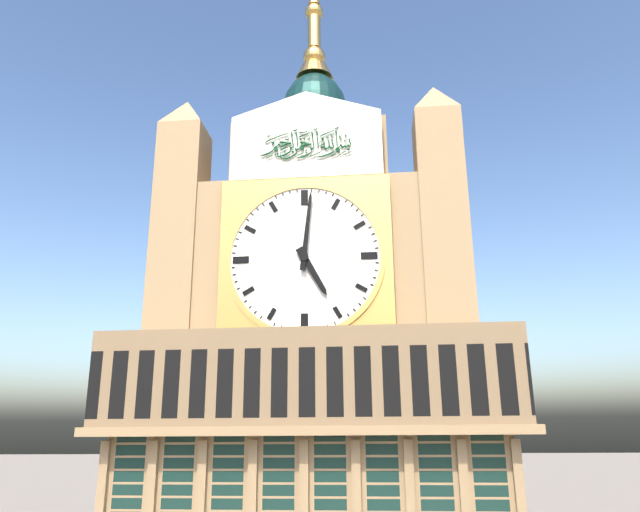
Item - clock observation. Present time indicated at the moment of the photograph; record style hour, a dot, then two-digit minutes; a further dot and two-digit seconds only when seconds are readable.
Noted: 5.01
